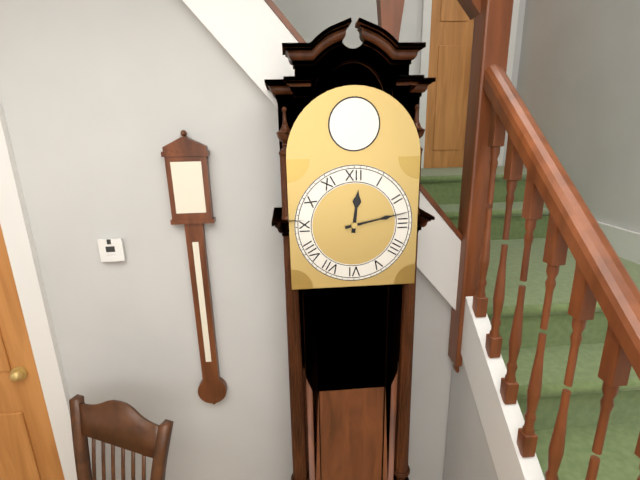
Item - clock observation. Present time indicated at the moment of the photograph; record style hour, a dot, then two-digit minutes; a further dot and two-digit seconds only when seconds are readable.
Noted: 12.13
